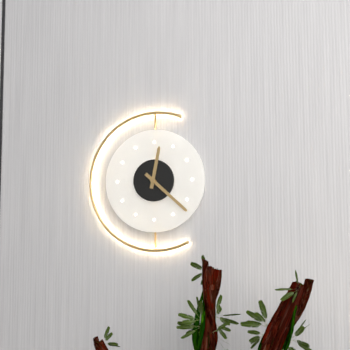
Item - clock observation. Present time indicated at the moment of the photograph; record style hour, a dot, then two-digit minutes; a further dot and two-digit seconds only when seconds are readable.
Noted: 12.22
